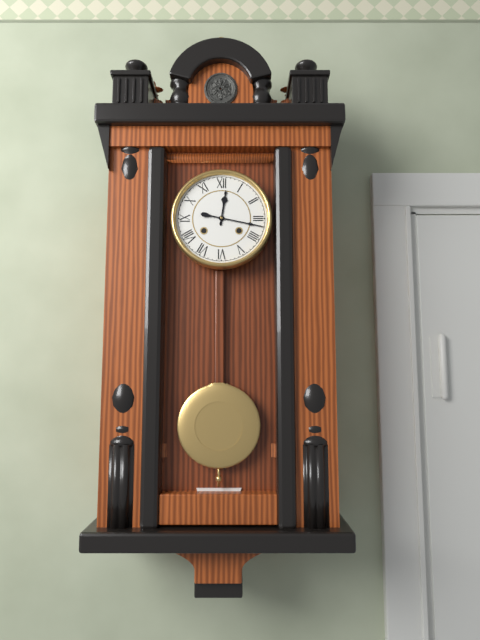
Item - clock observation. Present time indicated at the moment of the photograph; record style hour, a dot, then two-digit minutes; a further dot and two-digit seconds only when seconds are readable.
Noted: 12.17
